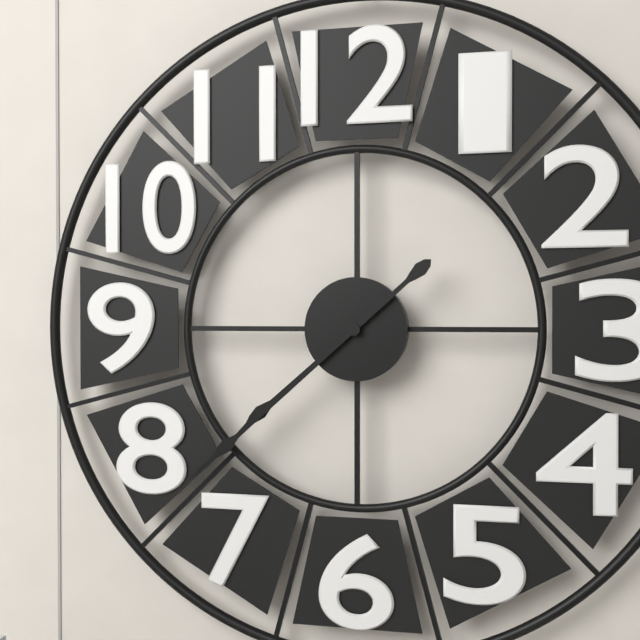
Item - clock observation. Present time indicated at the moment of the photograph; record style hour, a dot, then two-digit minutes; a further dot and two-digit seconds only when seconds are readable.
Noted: 7.38
